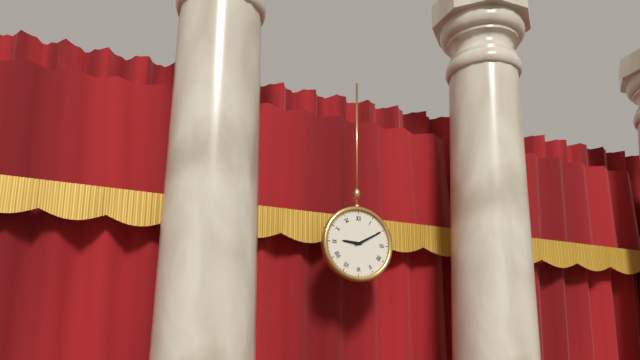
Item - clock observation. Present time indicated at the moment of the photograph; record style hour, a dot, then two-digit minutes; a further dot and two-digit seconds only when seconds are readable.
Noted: 9.10
